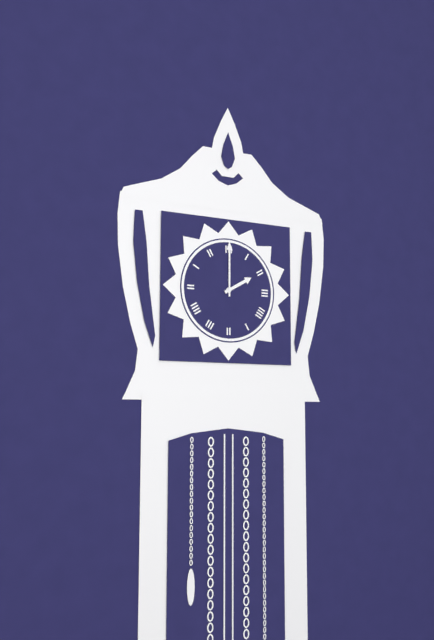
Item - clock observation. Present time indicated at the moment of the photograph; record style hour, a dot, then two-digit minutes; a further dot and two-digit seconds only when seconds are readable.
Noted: 2.00
